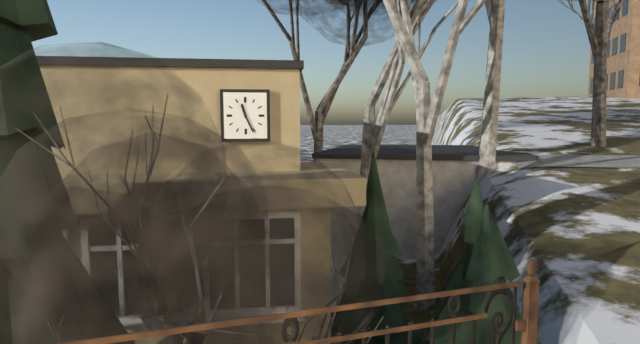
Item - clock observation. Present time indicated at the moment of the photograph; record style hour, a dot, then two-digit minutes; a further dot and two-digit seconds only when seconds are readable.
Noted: 11.26
